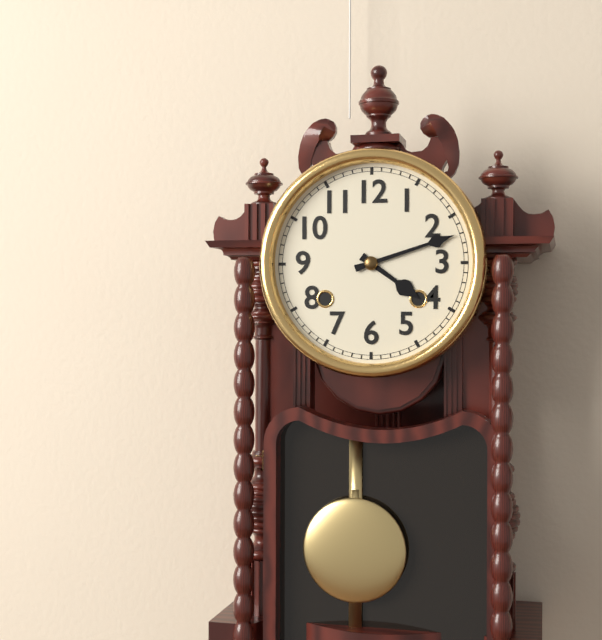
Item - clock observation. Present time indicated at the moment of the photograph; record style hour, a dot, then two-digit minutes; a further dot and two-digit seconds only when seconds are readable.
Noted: 4.12
